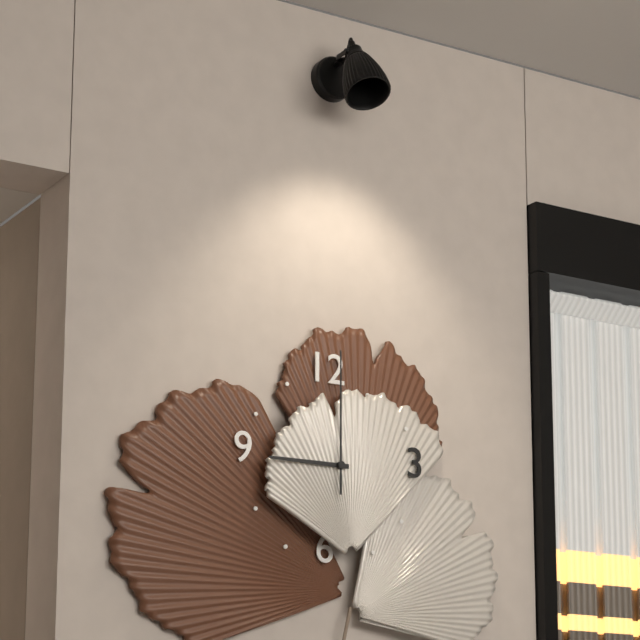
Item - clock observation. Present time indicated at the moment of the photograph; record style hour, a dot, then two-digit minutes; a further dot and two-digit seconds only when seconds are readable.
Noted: 9.00
